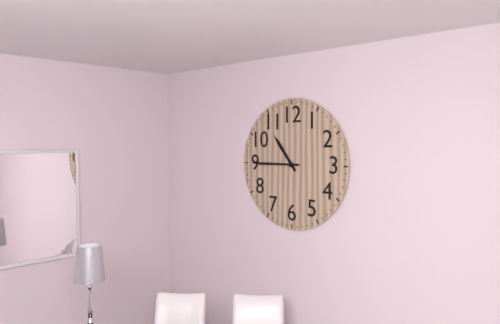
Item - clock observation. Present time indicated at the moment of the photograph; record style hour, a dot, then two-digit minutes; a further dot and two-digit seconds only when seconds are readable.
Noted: 10.45
